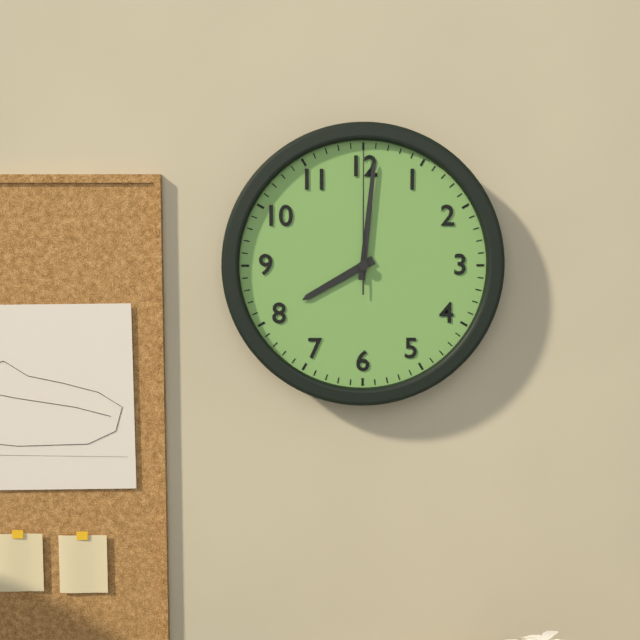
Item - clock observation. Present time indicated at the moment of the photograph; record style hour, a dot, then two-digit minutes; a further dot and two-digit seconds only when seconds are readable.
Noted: 8.01.00
